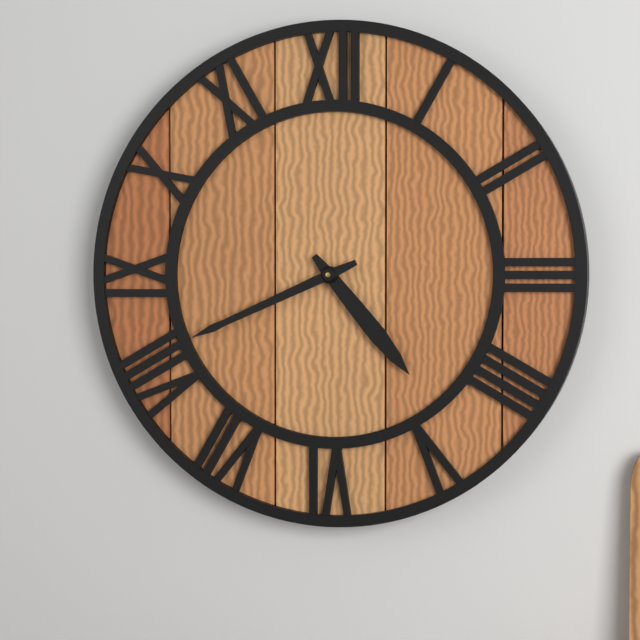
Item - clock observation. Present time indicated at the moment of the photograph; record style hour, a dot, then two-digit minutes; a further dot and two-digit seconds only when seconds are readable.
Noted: 4.41
